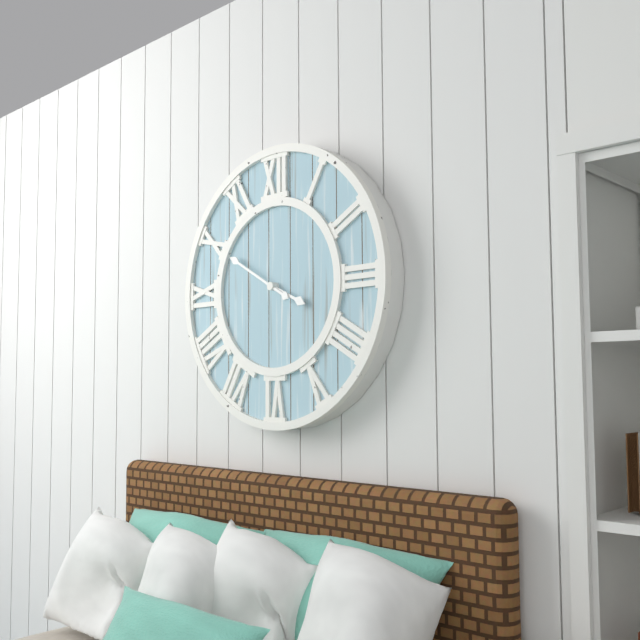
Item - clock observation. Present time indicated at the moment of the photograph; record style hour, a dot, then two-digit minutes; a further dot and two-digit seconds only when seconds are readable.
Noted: 3.50
